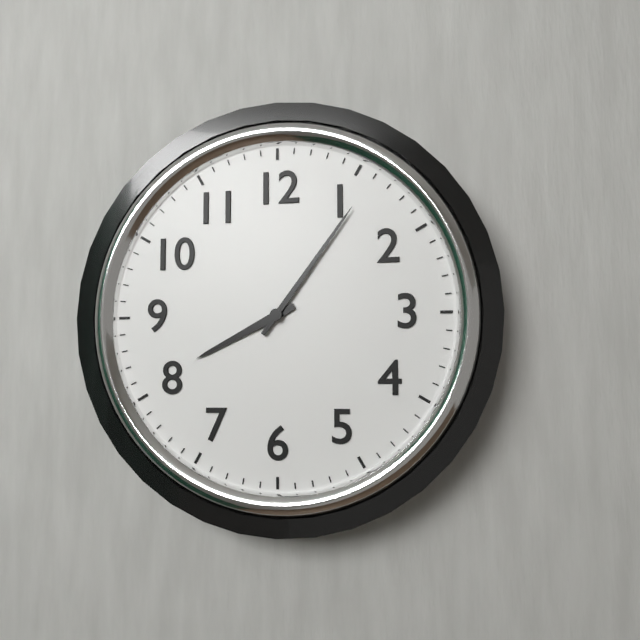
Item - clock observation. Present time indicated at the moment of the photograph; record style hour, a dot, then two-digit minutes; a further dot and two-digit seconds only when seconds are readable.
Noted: 8.06
